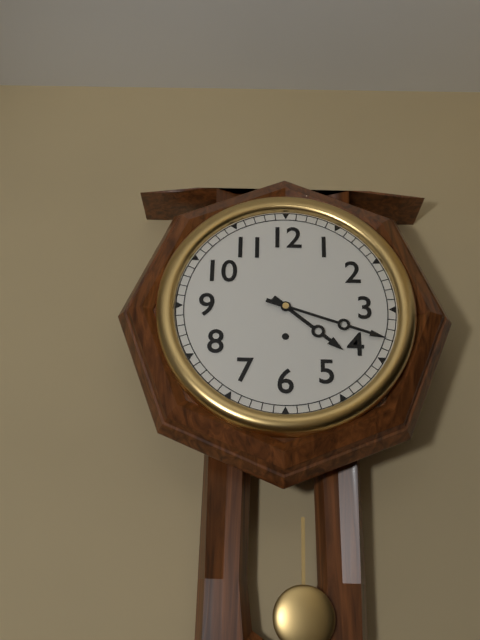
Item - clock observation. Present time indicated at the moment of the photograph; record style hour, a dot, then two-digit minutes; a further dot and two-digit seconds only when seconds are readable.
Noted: 4.18
